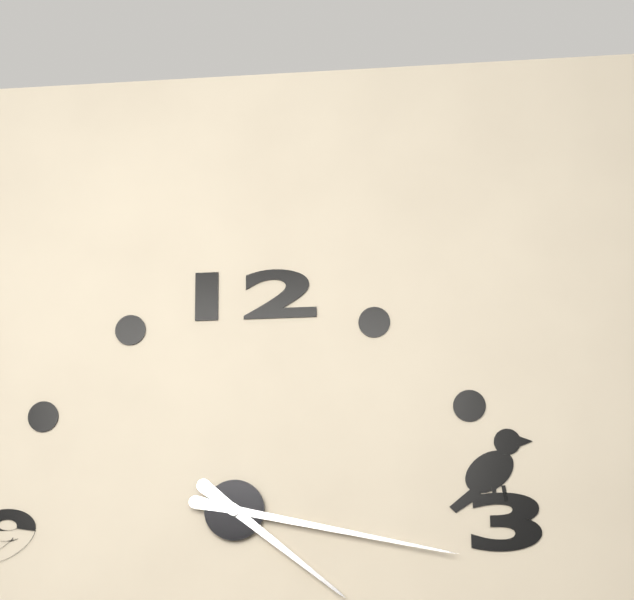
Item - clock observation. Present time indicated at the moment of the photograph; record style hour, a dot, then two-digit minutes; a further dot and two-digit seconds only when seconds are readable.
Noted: 4.17
